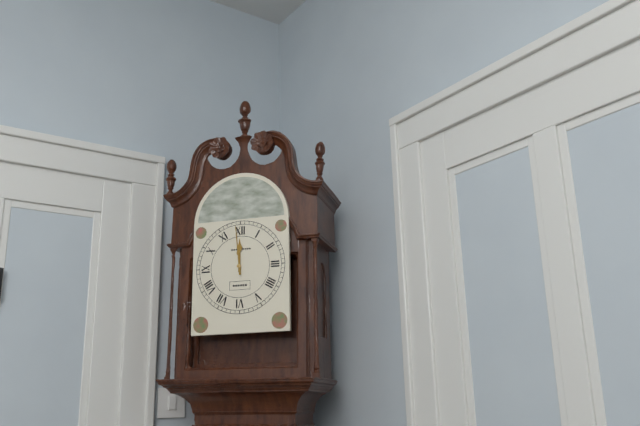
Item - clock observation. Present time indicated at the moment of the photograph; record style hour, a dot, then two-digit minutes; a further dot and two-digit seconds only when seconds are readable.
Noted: 11.59
